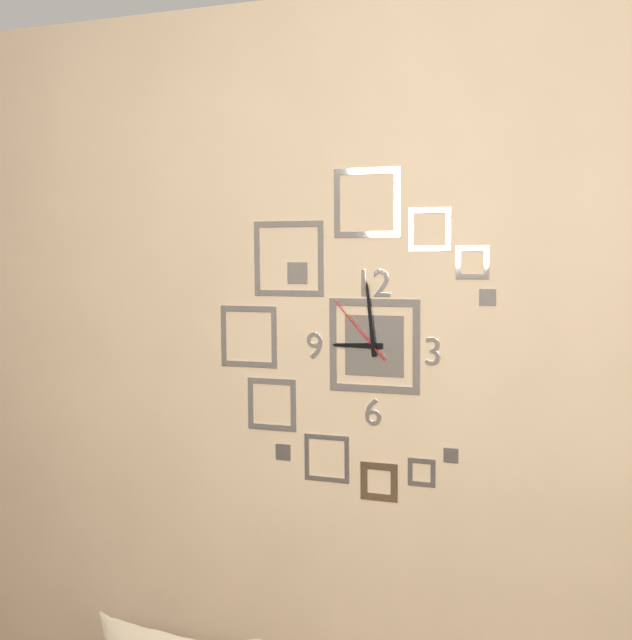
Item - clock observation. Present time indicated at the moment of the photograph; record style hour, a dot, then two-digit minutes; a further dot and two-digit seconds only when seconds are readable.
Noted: 8.59.53
